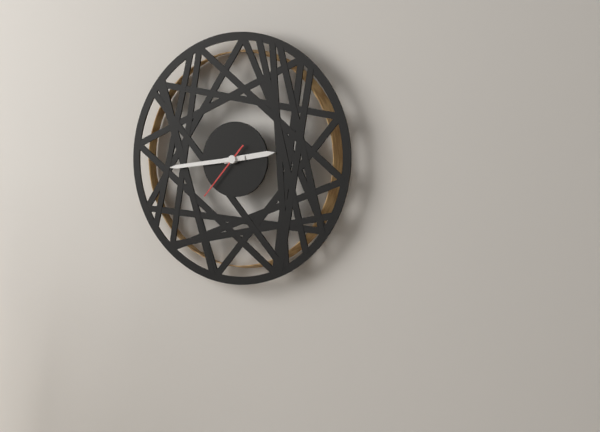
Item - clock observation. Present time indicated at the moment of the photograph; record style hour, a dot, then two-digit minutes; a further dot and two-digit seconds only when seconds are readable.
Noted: 2.44.37
